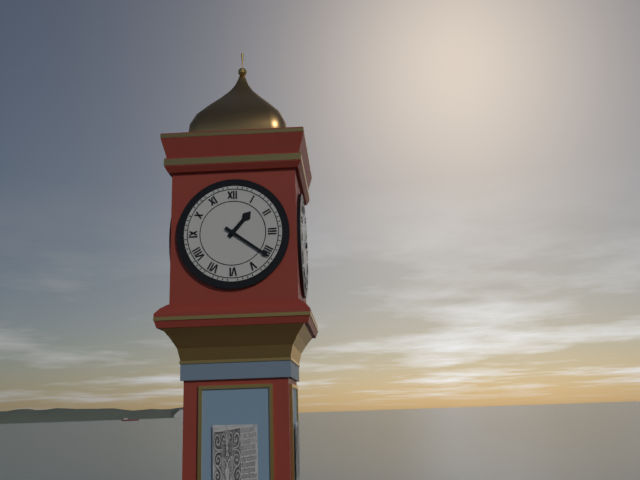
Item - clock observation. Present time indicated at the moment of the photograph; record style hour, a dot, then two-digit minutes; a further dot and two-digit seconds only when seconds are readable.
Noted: 1.21
